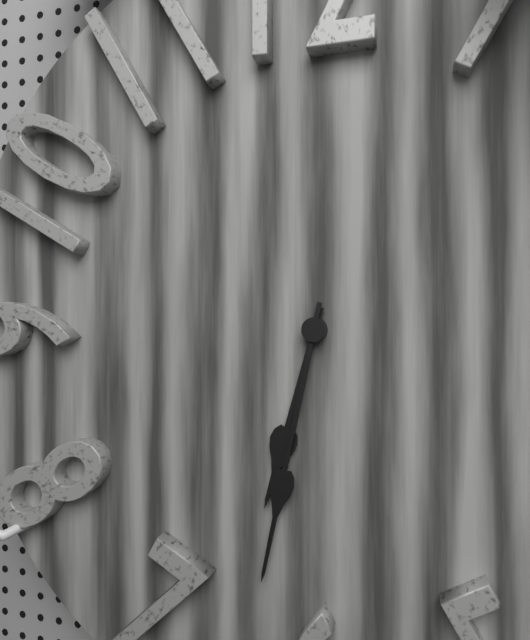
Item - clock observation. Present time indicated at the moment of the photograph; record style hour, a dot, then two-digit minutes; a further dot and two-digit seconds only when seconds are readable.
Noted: 6.32
